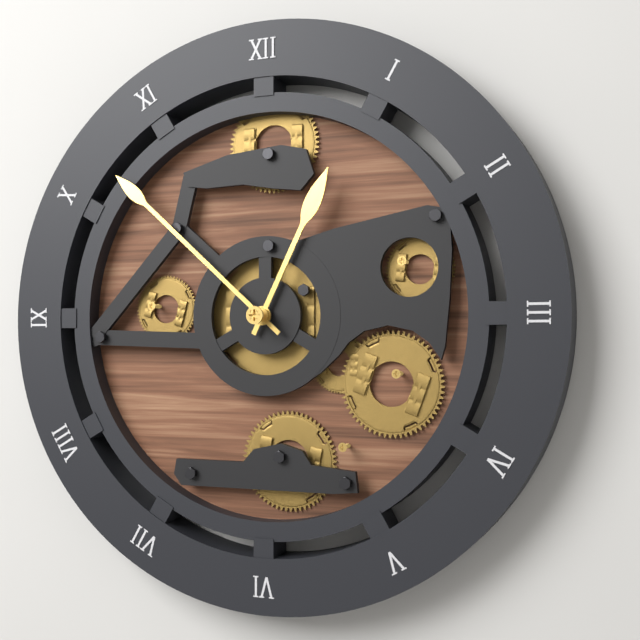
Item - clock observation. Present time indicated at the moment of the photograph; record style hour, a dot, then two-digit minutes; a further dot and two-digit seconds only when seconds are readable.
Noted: 12.52
